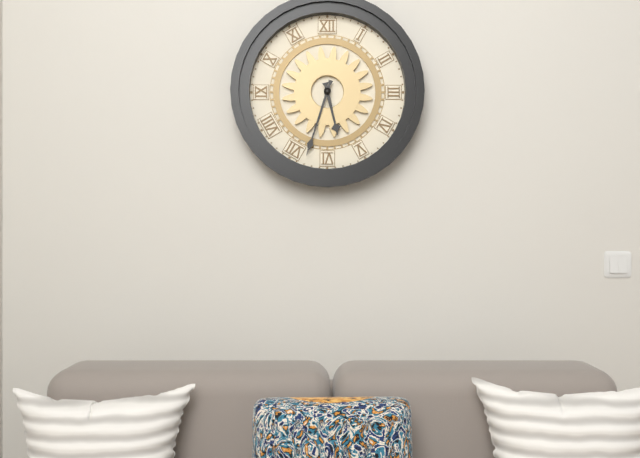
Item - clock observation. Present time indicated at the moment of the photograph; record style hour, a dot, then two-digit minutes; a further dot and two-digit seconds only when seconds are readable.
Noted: 5.33
